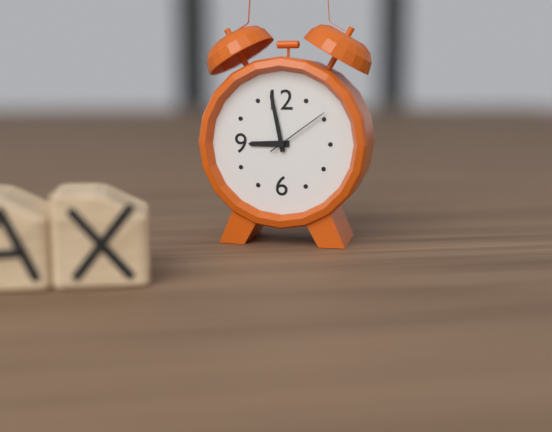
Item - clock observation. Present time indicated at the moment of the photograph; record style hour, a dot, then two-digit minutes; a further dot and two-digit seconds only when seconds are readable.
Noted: 8.58.09
